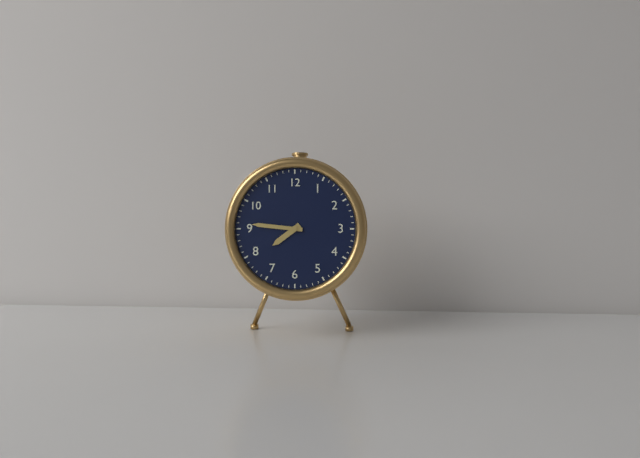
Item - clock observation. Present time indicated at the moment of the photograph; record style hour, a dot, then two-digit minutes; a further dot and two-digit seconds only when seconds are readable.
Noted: 7.46
